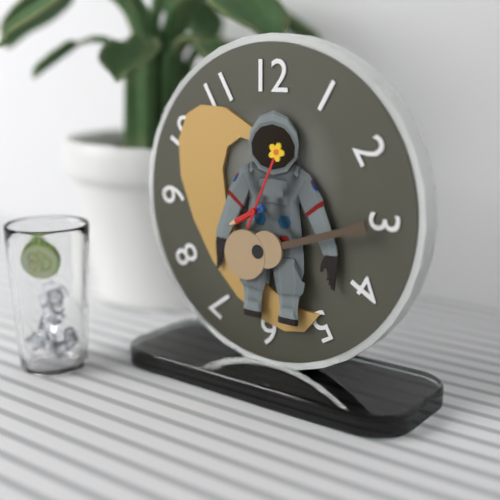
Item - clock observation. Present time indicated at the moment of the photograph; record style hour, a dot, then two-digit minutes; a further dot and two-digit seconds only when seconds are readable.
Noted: 8.04
